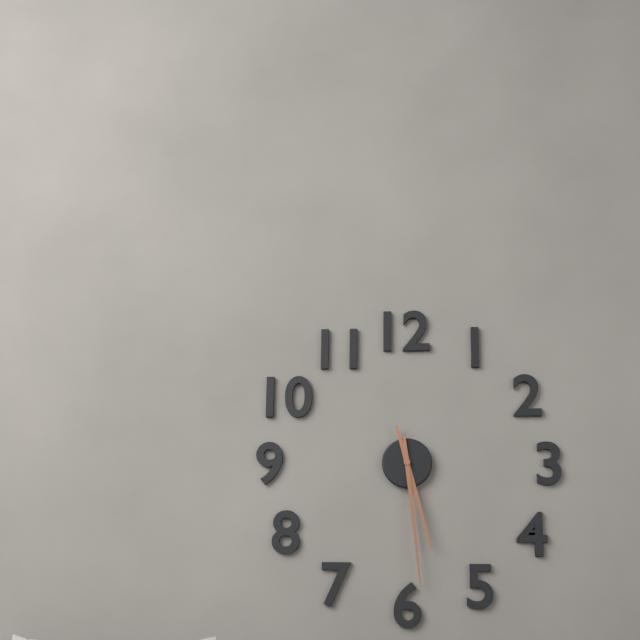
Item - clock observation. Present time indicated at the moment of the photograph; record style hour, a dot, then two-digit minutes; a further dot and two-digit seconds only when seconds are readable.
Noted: 5.29
